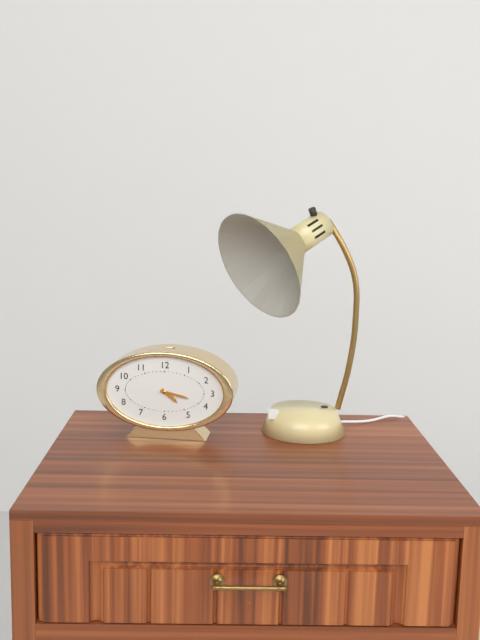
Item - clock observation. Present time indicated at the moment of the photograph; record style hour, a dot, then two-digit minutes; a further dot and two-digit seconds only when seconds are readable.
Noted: 4.17
